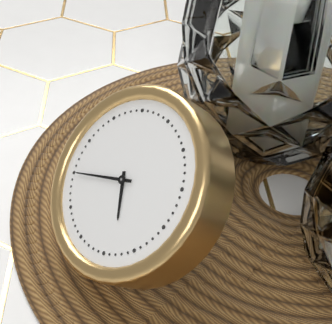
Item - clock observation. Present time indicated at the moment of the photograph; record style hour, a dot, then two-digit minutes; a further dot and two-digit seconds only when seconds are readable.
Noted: 4.40
